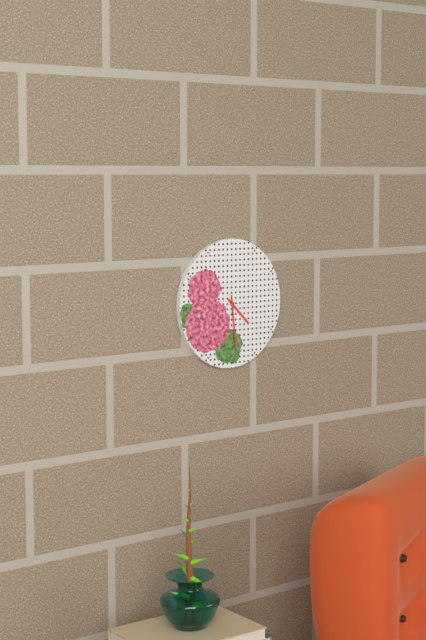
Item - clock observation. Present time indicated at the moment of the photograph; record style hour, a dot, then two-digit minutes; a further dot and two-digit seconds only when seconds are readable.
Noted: 4.29
